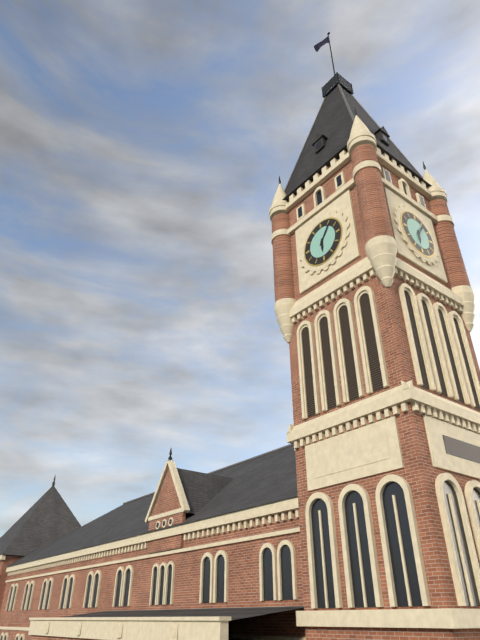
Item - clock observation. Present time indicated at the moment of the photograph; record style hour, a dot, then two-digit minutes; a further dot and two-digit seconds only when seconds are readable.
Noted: 6.06
